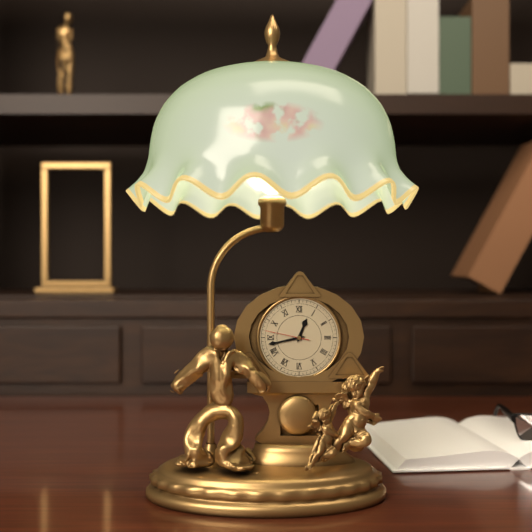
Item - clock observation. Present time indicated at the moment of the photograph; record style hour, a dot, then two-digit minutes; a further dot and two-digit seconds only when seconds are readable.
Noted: 12.43
